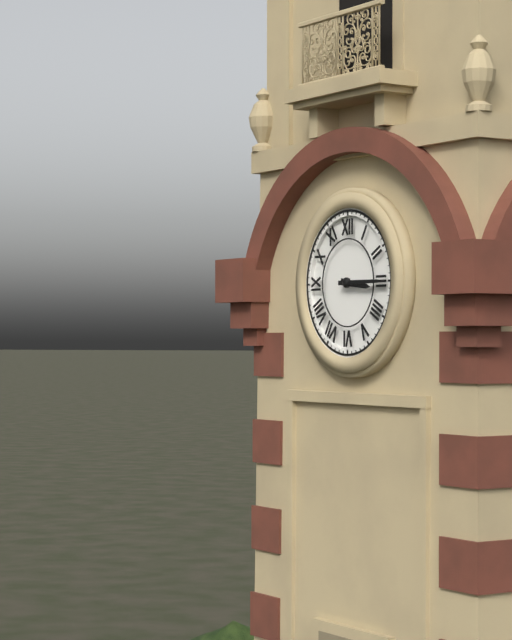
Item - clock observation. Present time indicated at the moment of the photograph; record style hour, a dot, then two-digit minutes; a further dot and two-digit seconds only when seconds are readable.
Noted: 3.15
